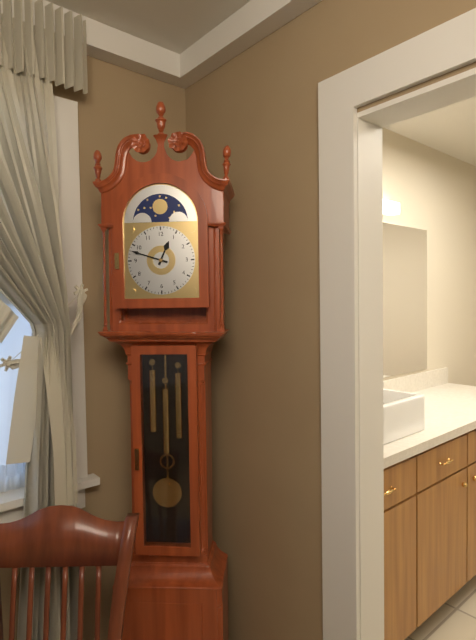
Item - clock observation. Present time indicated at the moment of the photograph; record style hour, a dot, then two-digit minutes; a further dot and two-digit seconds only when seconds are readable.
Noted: 12.48
